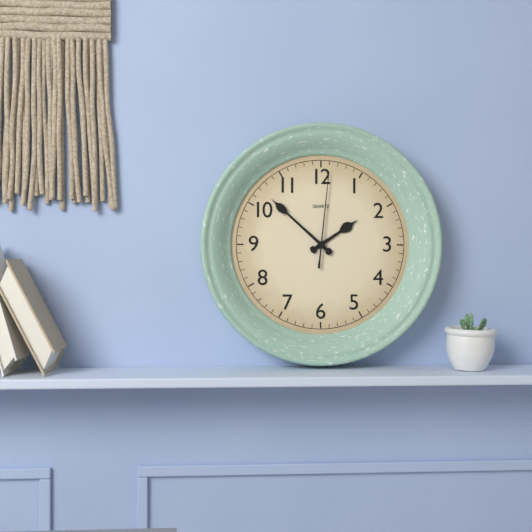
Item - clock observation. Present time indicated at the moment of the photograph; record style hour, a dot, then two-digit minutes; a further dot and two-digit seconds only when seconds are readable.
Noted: 1.52.01
